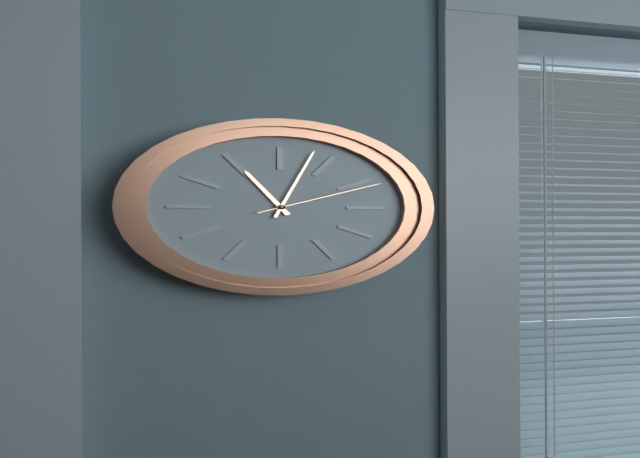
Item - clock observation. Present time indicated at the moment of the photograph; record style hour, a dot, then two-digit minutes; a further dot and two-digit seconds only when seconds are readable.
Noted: 11.03.11
